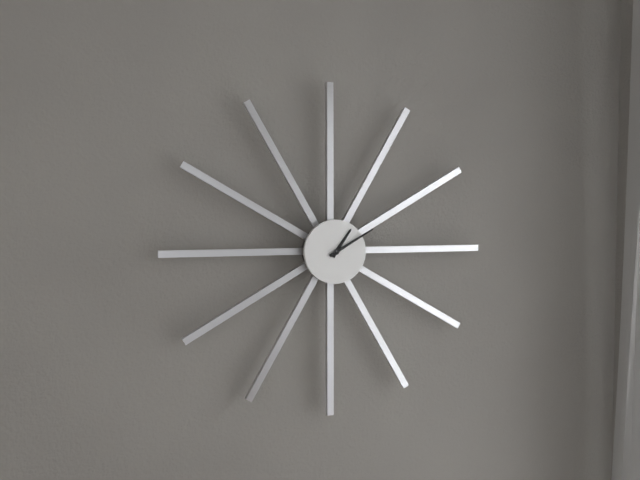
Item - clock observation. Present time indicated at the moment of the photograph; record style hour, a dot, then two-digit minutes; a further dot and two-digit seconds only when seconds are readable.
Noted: 1.10
